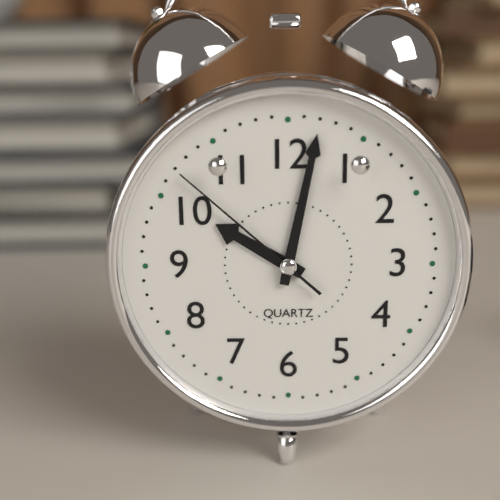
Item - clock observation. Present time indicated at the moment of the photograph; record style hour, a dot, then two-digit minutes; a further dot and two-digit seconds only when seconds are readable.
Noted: 10.02.52
